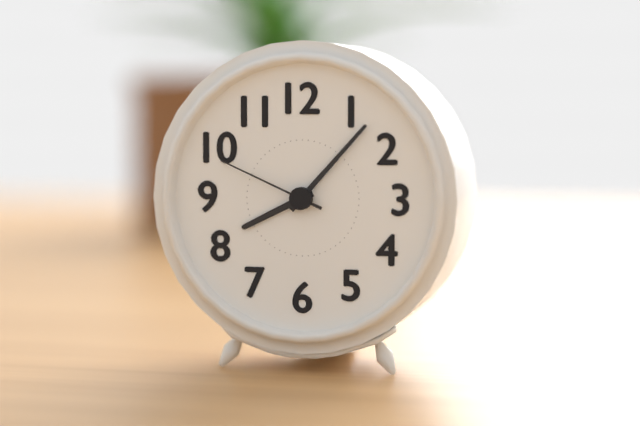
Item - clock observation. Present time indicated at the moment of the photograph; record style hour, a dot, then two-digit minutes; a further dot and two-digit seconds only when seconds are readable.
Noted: 8.07.49
